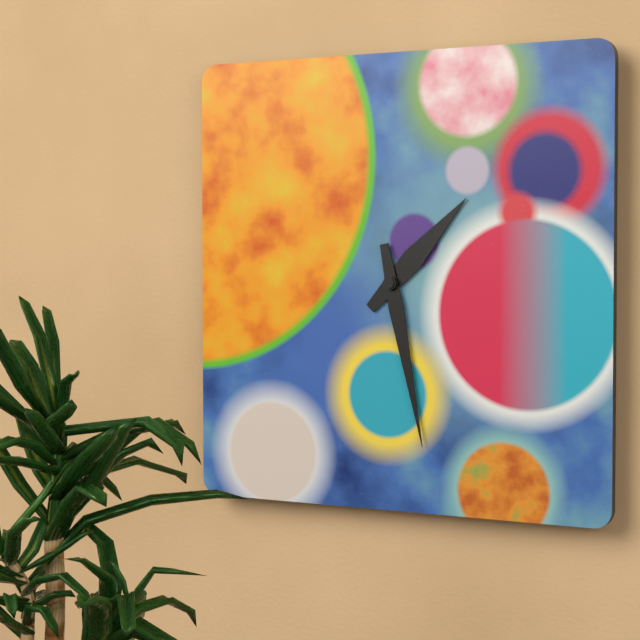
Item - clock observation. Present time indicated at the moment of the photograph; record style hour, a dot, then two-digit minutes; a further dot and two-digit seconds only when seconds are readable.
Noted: 1.28
